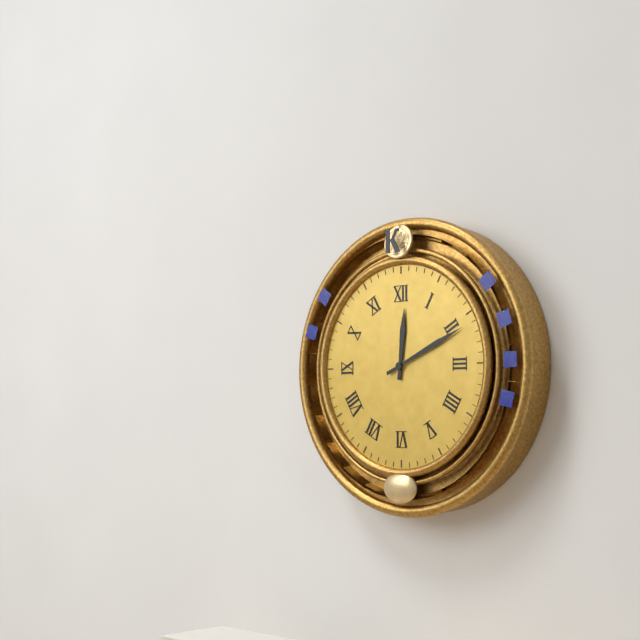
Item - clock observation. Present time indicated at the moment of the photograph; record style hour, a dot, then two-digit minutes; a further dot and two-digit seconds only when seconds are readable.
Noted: 12.11
